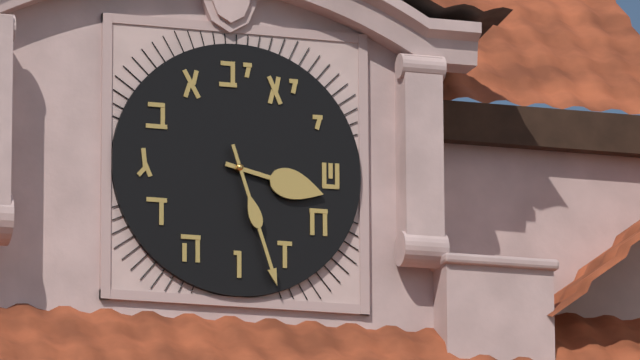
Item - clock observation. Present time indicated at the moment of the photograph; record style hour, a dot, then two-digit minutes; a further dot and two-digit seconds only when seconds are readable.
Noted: 3.27
